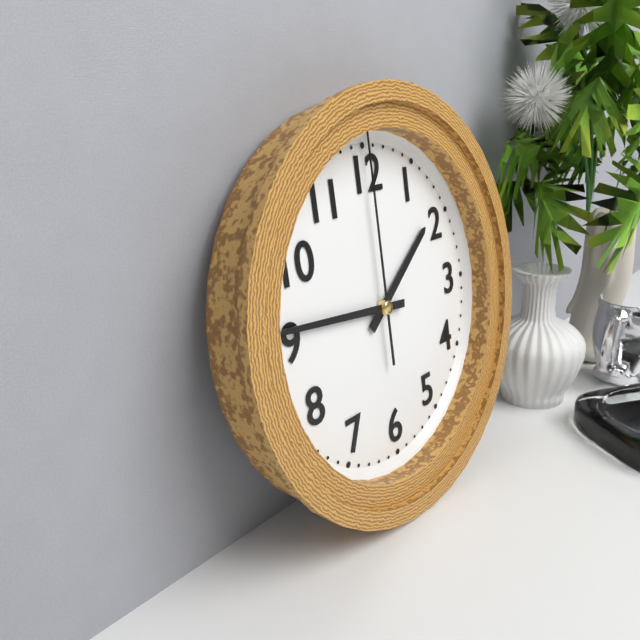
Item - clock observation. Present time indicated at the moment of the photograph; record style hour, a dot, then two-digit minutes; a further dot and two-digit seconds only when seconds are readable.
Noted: 1.46.00
